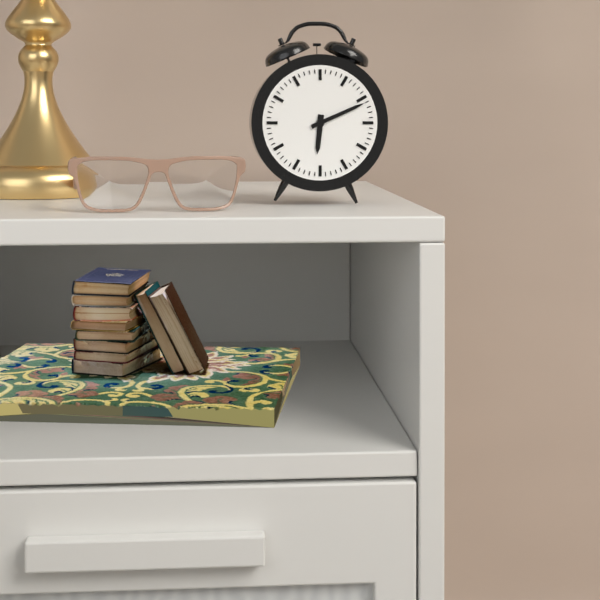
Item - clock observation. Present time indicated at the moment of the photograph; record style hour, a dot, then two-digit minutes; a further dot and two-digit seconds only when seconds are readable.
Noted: 6.11
